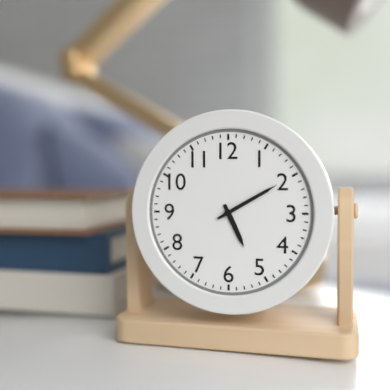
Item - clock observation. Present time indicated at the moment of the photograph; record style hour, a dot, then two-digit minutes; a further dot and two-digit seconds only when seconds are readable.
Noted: 5.10
